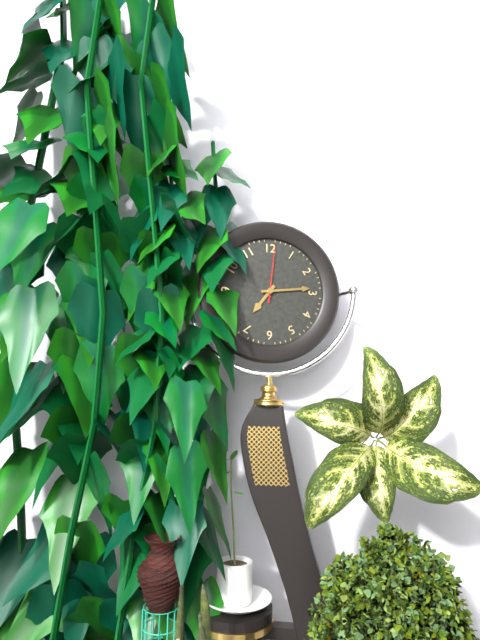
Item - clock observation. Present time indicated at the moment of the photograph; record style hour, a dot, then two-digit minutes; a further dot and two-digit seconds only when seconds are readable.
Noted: 7.14.01
